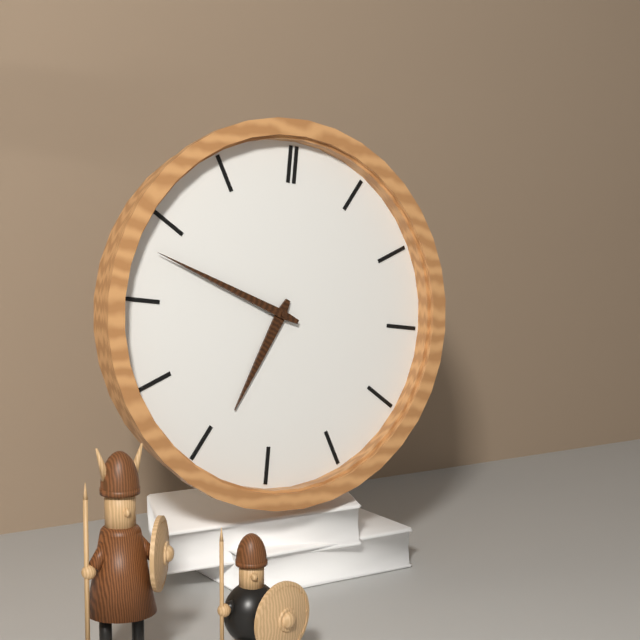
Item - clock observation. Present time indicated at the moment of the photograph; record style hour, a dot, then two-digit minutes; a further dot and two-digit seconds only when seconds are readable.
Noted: 6.48
